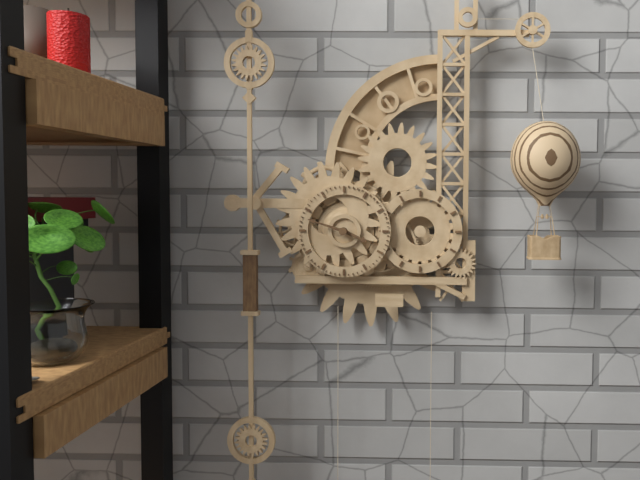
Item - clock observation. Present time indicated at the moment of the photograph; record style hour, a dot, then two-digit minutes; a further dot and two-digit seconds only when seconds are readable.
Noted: 3.48
